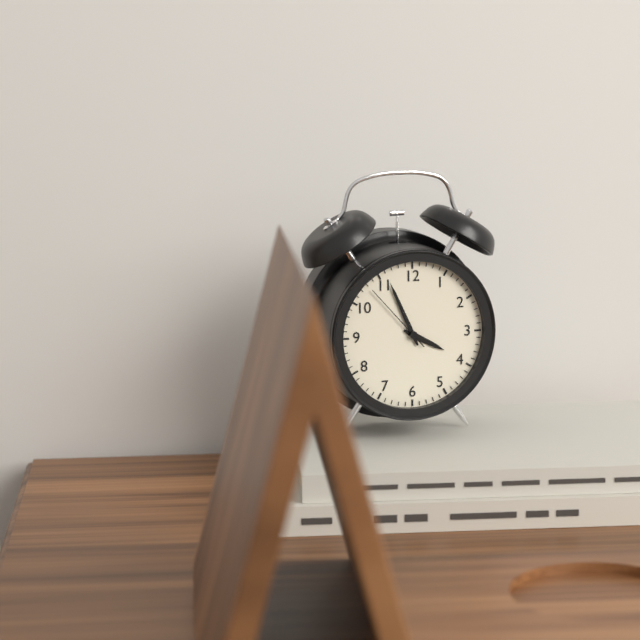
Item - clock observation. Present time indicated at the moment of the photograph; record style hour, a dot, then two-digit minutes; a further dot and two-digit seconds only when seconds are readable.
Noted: 3.56.53
